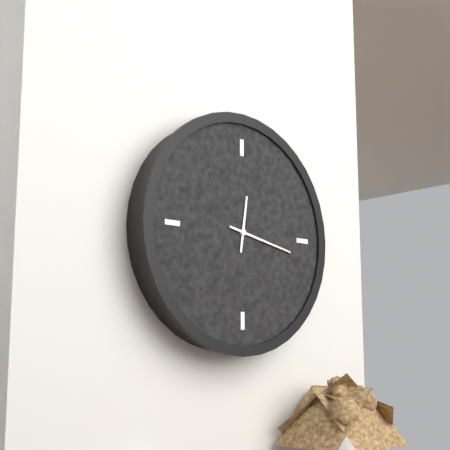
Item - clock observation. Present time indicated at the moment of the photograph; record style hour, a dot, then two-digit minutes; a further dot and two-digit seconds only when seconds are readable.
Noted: 12.17
